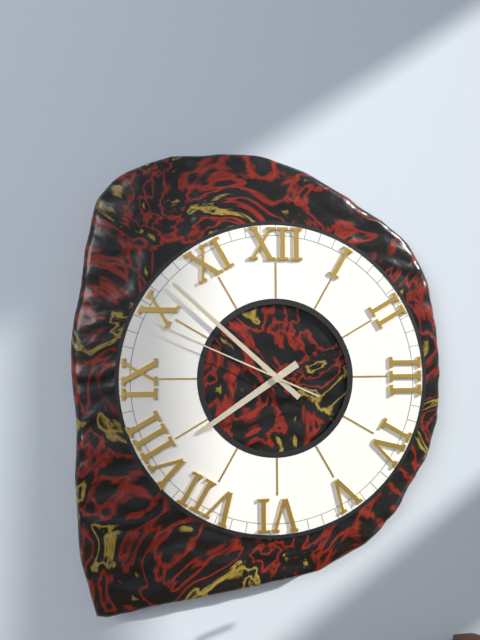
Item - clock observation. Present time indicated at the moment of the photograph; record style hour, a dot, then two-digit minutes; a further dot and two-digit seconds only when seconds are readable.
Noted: 7.52.49
